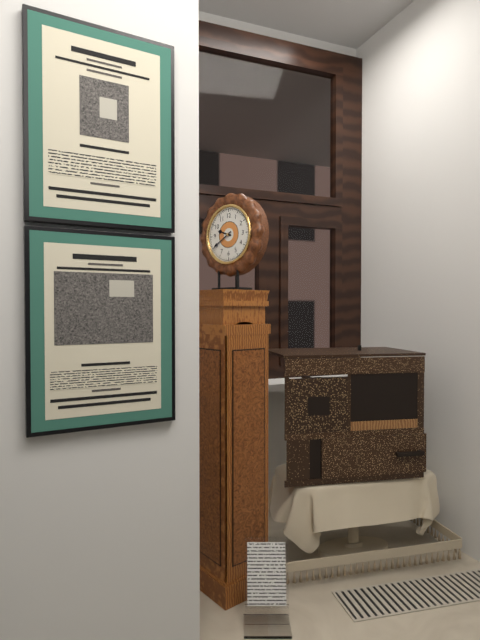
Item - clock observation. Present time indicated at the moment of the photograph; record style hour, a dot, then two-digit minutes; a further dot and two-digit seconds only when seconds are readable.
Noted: 9.40
